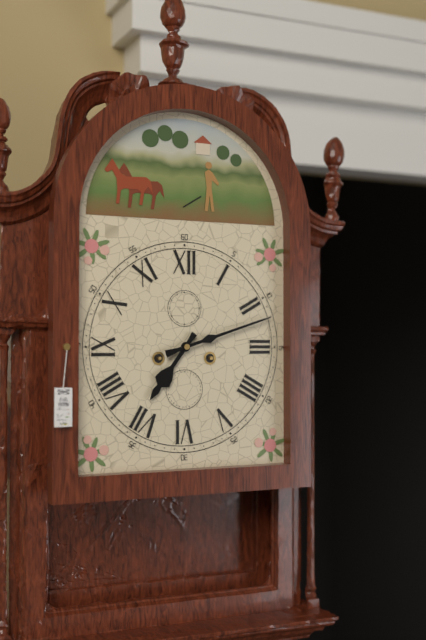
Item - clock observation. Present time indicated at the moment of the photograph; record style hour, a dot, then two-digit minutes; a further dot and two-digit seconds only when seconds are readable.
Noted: 7.12
